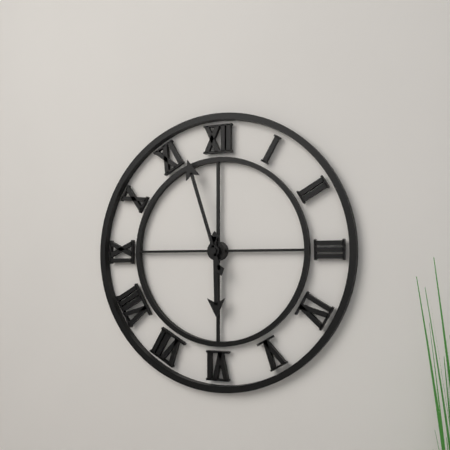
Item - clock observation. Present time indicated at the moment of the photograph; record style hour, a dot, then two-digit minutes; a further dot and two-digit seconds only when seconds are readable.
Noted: 5.57
